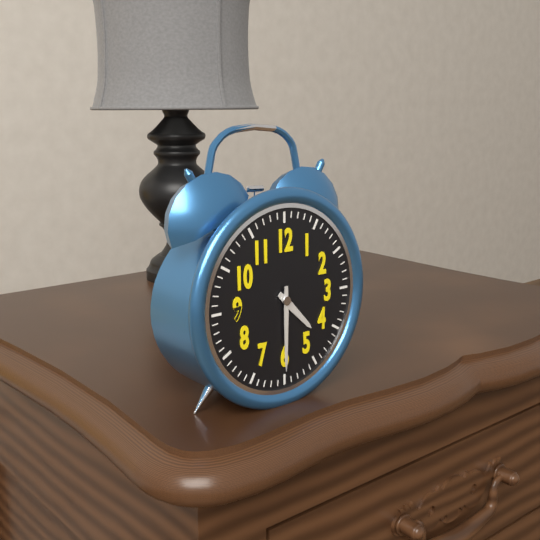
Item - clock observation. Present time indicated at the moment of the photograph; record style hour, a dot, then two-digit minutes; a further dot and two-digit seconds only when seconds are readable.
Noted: 4.30
